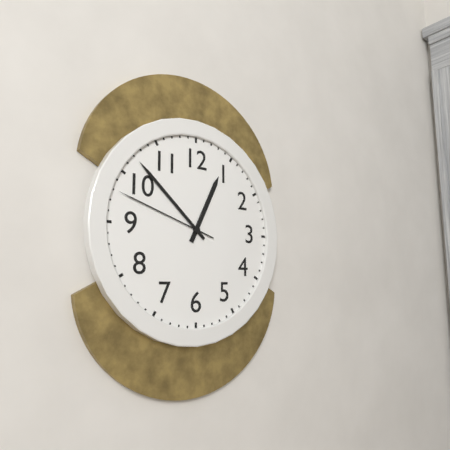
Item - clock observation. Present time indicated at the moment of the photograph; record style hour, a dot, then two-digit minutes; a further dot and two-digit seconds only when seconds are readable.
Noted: 12.52.48
